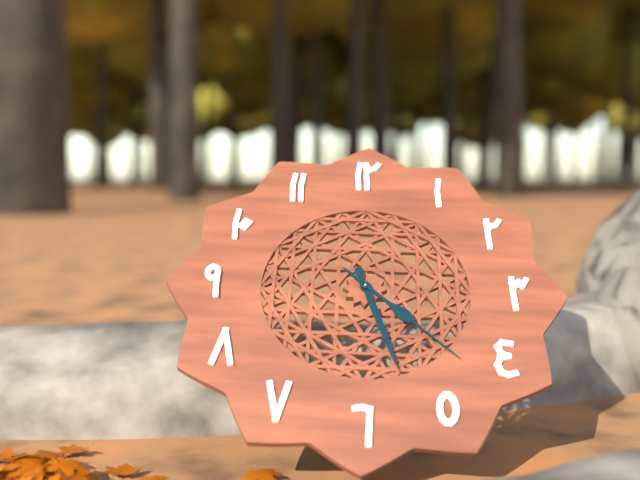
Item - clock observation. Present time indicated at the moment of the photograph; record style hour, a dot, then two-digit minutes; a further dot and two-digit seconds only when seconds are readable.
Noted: 5.22
